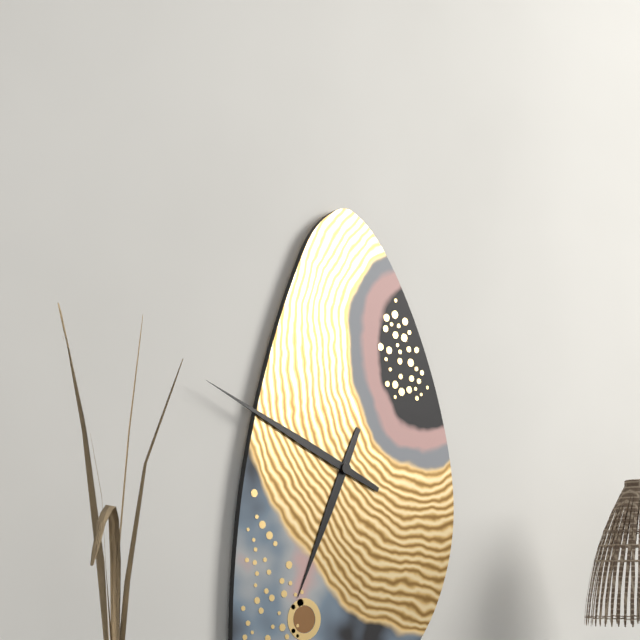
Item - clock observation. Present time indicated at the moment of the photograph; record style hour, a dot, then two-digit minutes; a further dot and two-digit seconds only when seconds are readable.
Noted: 6.49
